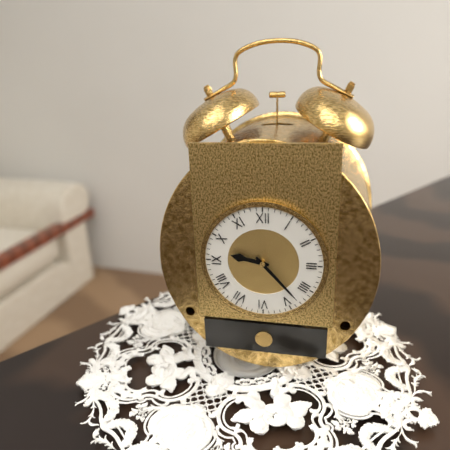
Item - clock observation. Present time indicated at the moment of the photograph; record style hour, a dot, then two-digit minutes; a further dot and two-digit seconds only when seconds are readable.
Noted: 9.23
